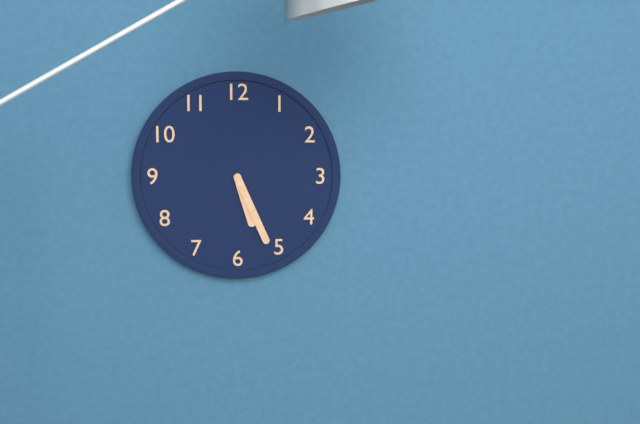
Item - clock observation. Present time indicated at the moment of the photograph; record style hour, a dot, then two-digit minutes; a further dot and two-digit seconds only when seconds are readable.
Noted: 5.26
